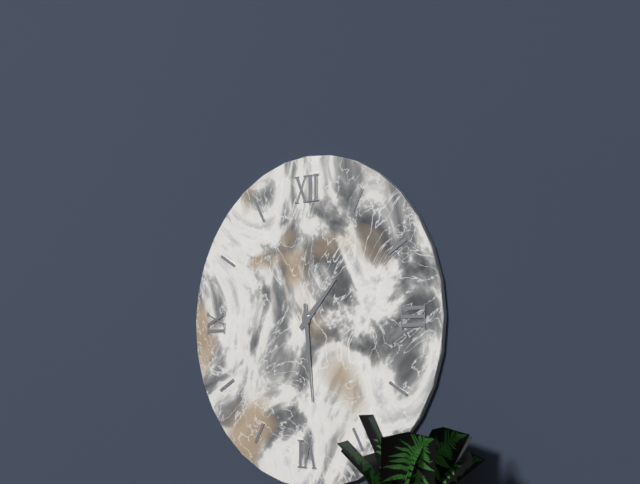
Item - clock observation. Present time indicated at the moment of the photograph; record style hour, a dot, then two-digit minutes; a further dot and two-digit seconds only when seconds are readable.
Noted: 1.29
